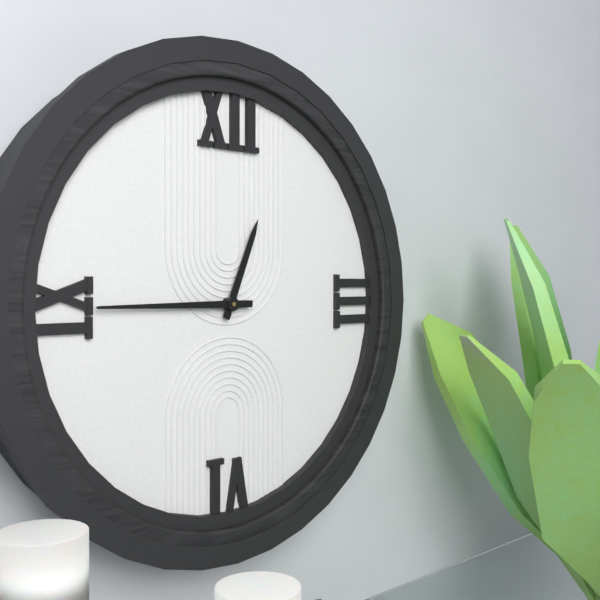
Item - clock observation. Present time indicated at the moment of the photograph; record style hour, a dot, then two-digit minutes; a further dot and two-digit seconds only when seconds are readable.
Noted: 12.45
